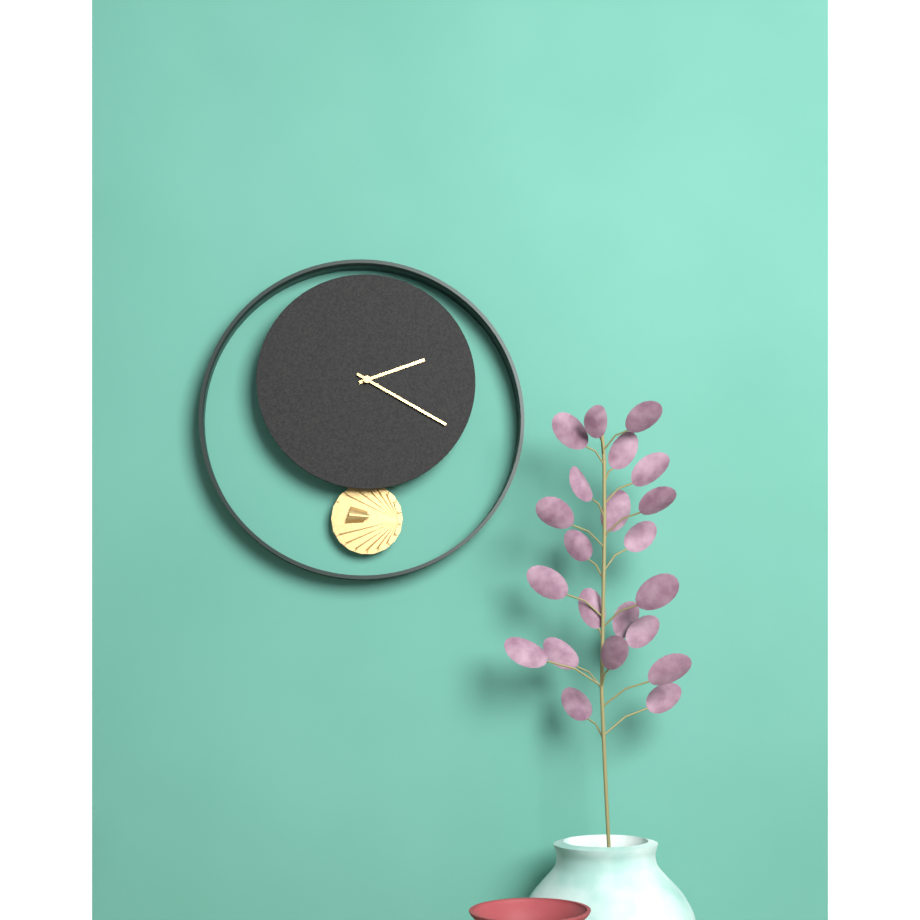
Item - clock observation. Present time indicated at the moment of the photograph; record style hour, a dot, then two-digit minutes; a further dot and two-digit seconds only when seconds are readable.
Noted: 2.20
